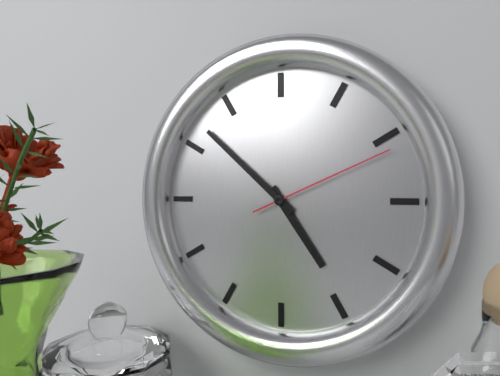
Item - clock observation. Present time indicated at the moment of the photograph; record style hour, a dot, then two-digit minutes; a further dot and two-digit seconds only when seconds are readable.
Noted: 4.52.11
